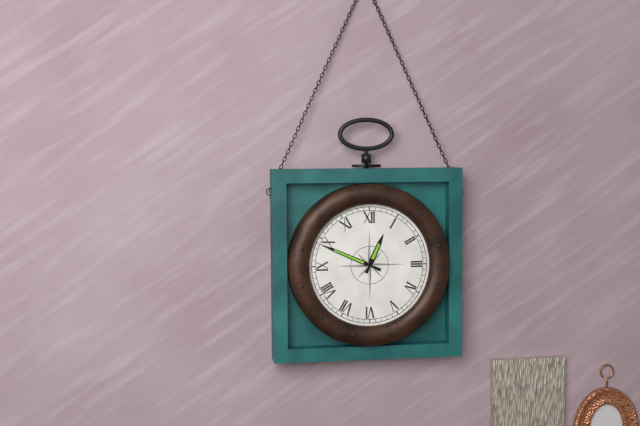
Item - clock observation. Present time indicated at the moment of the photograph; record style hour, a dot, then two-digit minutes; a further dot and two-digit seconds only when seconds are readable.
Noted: 12.49
